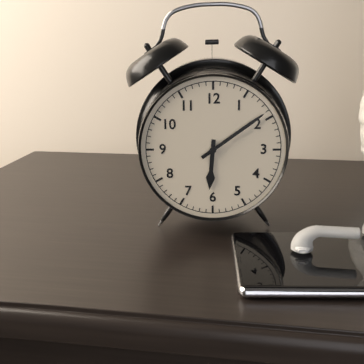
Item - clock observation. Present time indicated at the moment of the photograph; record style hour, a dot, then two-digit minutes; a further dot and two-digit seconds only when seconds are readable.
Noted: 6.09
